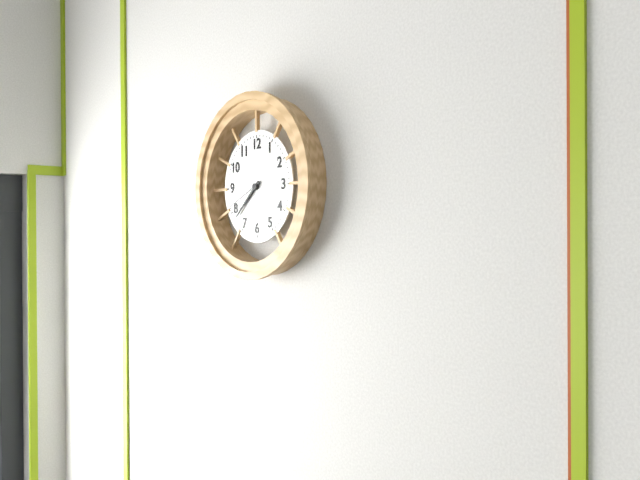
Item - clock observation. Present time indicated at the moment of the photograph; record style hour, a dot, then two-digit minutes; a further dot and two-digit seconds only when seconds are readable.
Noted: 7.38
